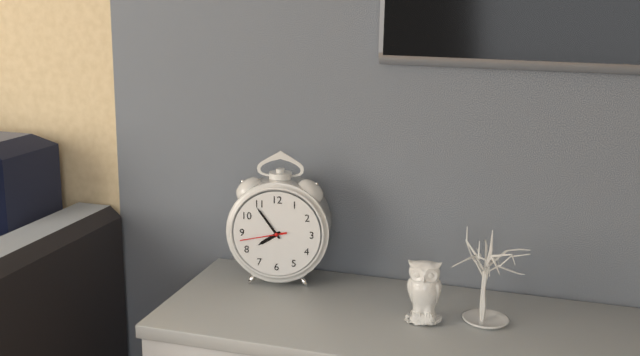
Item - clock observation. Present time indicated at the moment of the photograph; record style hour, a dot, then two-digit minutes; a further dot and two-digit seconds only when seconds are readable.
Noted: 7.54
